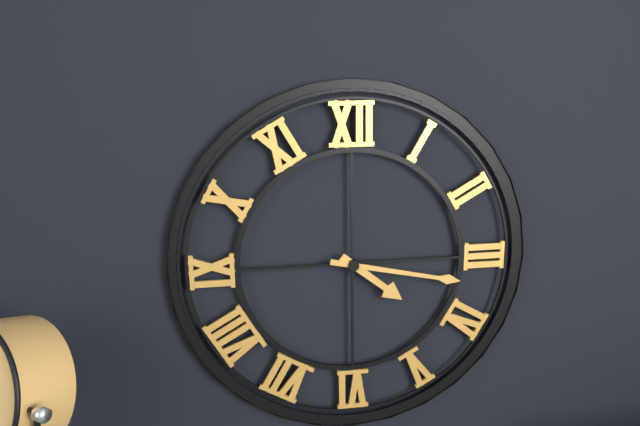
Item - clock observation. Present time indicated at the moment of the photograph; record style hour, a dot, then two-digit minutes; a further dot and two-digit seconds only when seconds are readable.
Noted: 4.17
